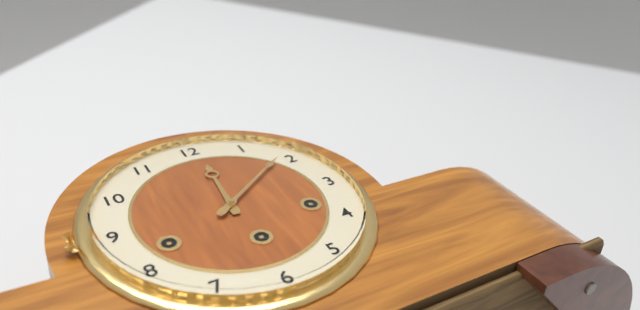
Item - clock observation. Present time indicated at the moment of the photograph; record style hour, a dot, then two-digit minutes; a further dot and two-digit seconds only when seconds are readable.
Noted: 12.09
